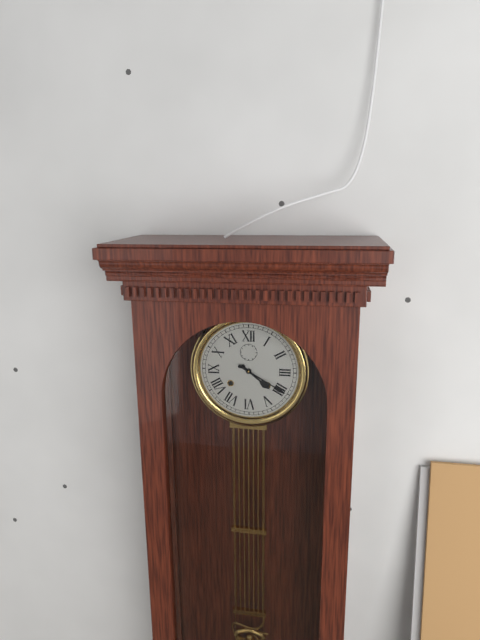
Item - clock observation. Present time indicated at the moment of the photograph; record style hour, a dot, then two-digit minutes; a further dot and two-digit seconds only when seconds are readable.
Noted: 4.20
